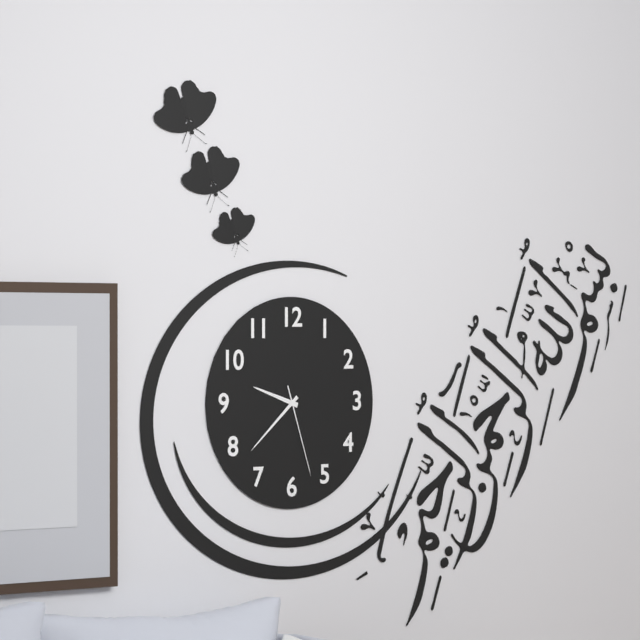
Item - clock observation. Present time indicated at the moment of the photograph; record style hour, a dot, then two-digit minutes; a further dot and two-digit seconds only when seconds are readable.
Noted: 9.38.27
